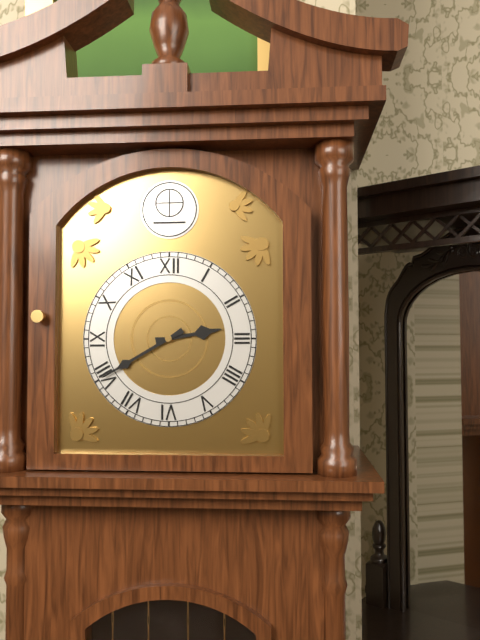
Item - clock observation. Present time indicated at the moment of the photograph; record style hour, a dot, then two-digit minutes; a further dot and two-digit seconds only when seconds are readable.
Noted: 2.40
